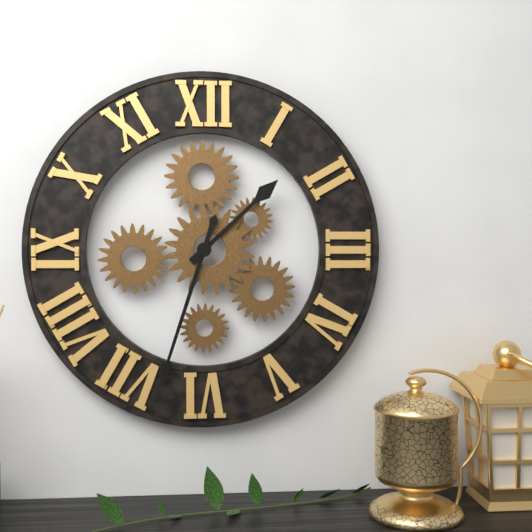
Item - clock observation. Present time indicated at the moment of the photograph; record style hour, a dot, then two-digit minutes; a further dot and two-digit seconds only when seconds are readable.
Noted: 1.33
